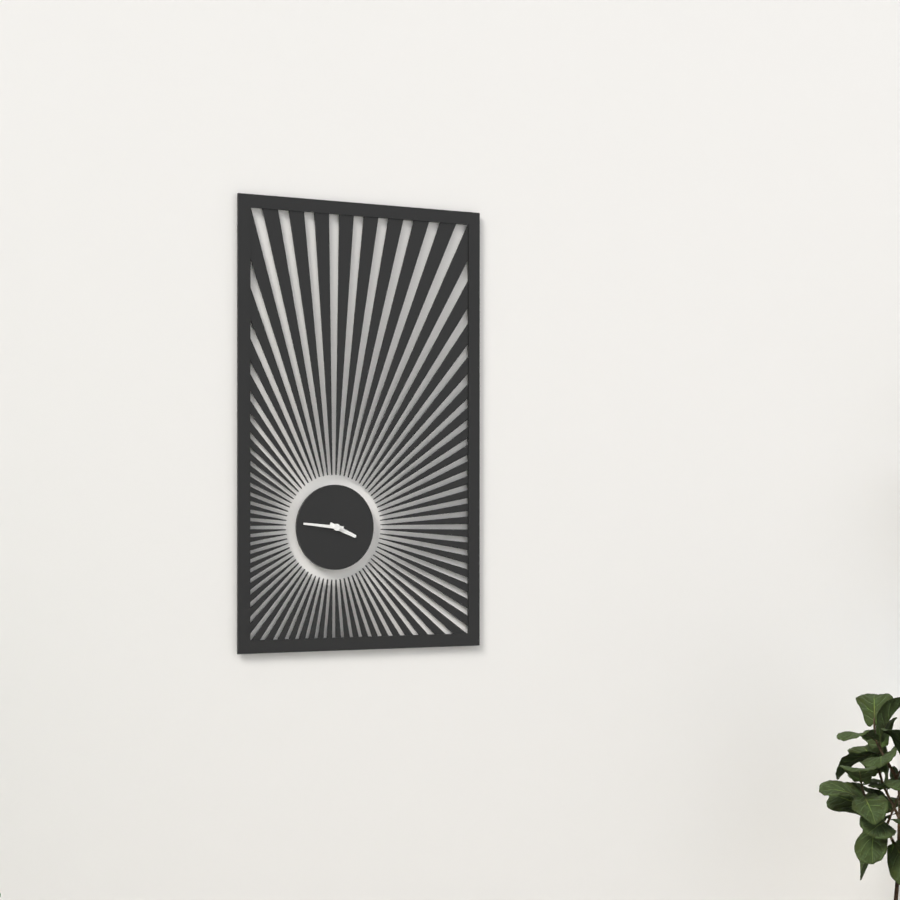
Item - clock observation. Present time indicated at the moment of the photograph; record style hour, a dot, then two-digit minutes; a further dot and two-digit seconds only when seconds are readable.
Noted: 3.46
